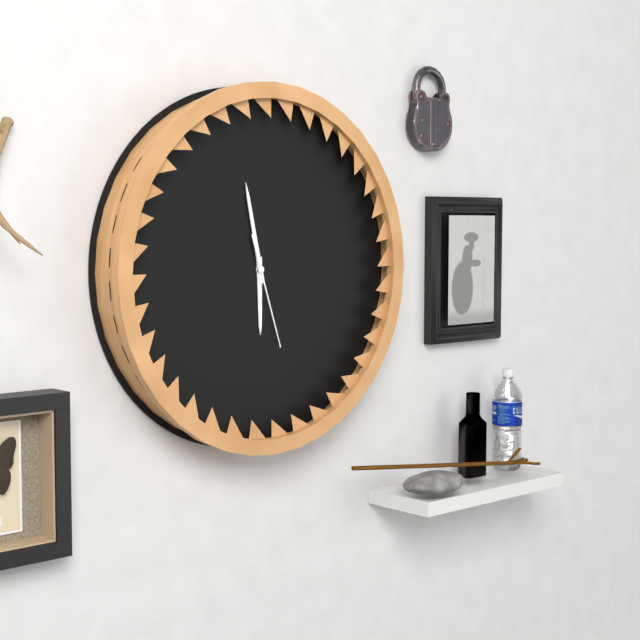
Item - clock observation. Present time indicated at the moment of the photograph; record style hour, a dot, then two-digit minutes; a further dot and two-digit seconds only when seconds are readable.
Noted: 5.58.27
